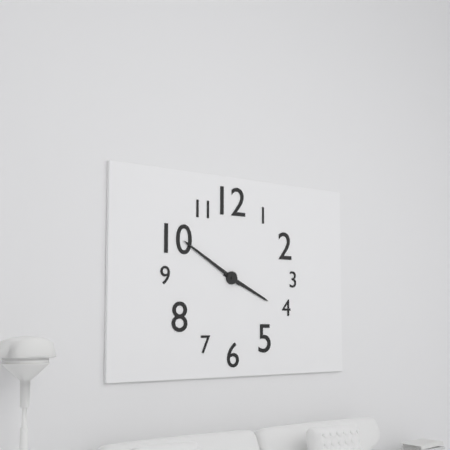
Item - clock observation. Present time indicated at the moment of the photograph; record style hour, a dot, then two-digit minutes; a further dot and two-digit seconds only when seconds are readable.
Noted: 3.50
